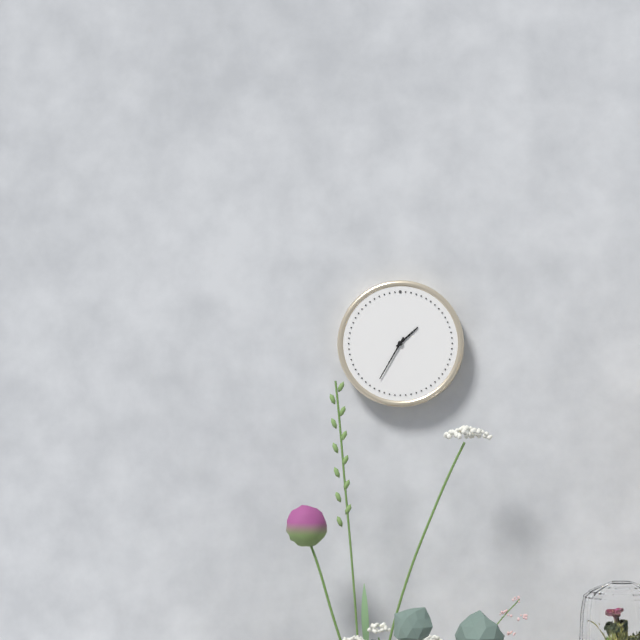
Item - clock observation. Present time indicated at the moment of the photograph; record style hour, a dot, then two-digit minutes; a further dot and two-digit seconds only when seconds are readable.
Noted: 1.35
